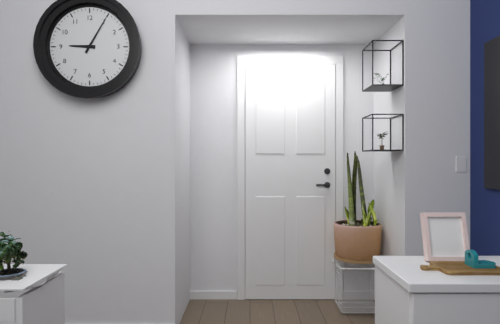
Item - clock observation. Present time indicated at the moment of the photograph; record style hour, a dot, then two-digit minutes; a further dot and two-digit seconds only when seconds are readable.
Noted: 9.05
